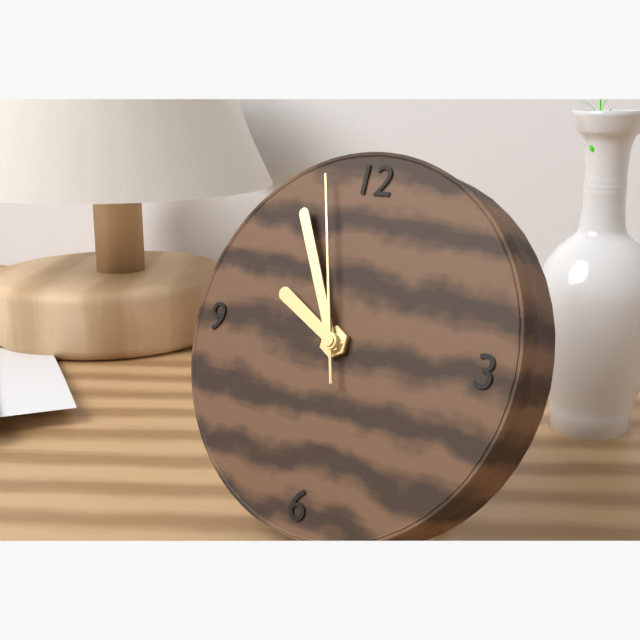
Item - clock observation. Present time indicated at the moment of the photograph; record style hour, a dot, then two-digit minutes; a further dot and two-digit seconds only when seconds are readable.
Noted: 9.55.57
